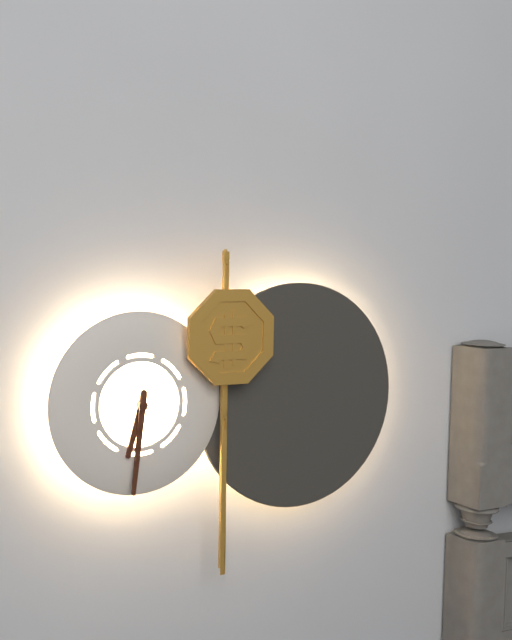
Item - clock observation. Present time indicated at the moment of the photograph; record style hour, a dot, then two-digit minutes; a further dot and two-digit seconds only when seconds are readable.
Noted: 6.31
